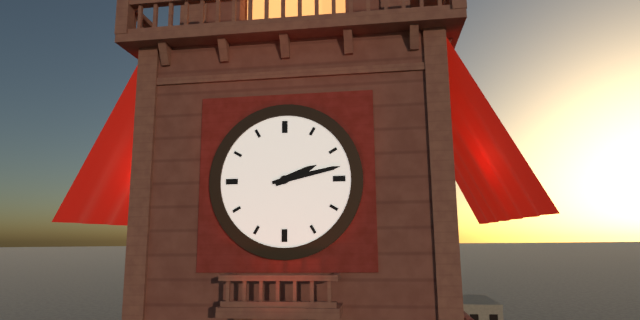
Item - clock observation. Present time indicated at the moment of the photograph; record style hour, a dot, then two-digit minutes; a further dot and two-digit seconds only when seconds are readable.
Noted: 2.13
